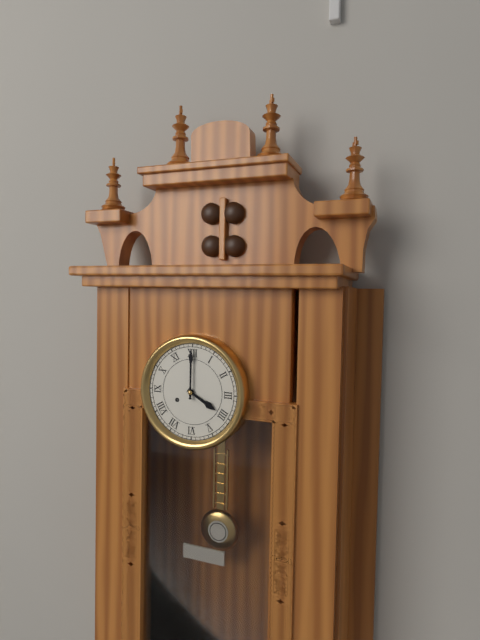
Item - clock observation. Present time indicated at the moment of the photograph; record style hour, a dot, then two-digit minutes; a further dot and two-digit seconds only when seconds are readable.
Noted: 4.00
